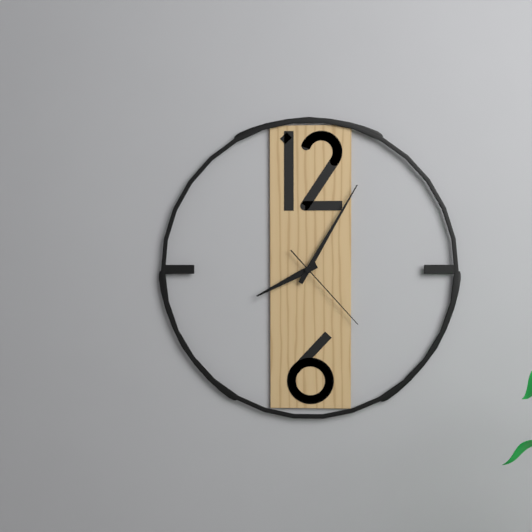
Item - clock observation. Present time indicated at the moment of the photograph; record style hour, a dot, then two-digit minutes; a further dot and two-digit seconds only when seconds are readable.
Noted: 8.05.23
